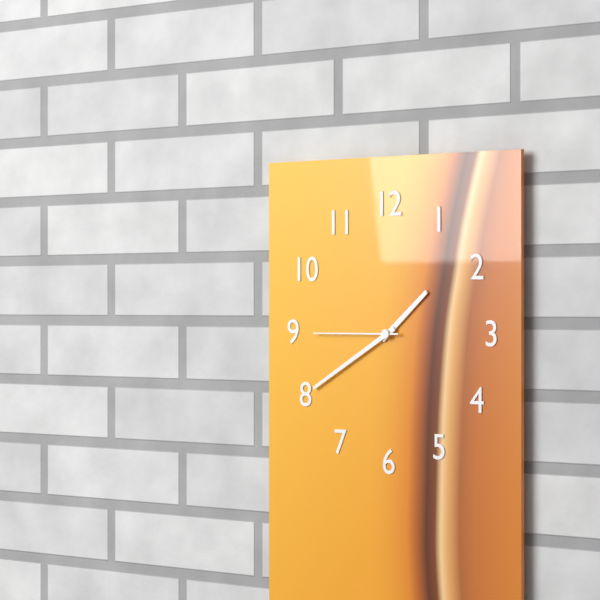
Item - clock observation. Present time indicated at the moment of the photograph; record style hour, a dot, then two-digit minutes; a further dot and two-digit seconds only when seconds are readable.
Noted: 1.40.45
